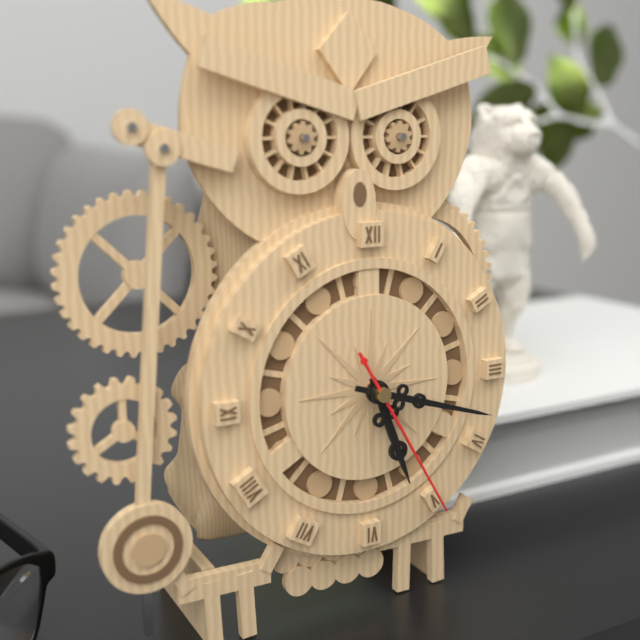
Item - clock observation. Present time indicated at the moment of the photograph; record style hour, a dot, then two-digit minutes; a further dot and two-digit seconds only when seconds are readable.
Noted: 5.18.25
